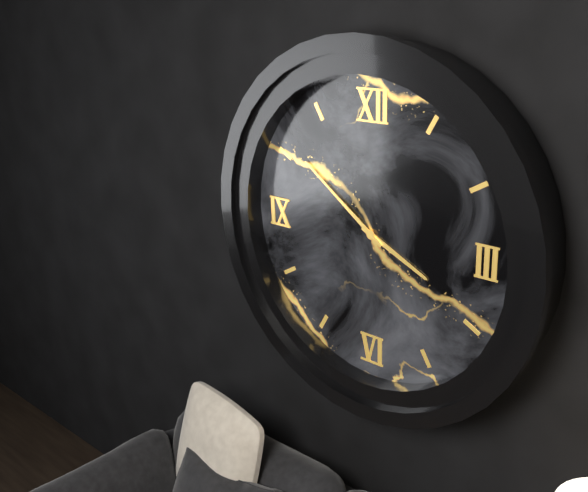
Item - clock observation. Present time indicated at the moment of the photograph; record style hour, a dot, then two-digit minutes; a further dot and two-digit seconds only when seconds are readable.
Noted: 3.51
